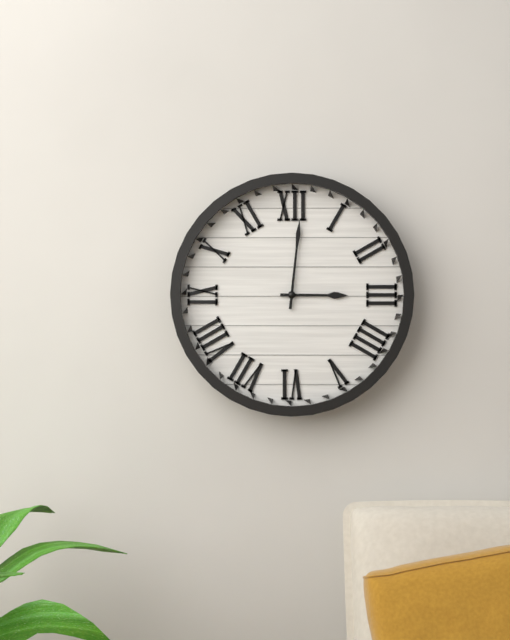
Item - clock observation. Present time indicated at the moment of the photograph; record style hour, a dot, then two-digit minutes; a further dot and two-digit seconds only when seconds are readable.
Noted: 3.01
